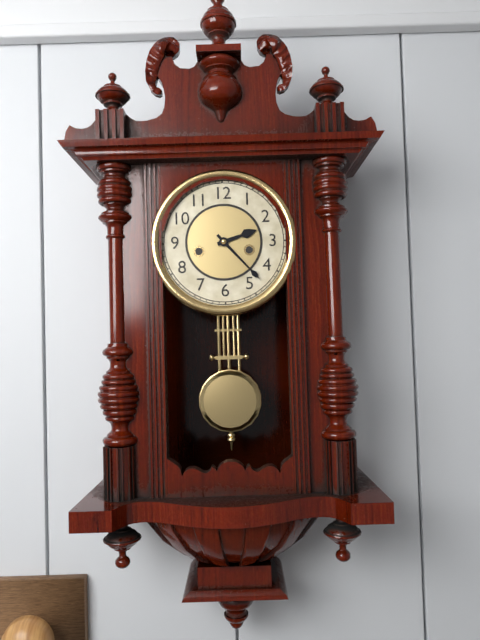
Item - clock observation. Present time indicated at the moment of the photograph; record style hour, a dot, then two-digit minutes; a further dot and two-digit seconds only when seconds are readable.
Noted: 2.23
